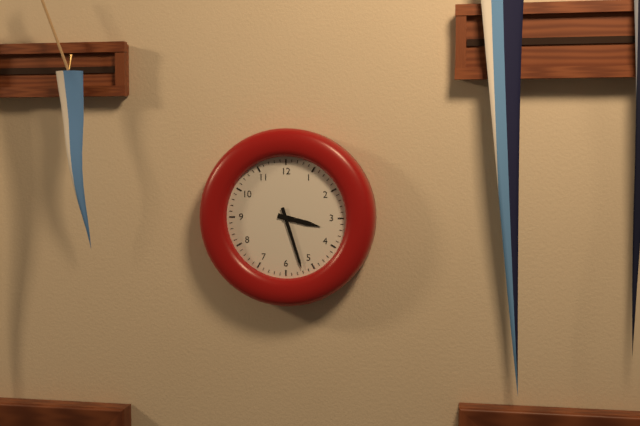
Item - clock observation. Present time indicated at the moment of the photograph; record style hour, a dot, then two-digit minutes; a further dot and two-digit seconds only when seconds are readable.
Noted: 3.27
